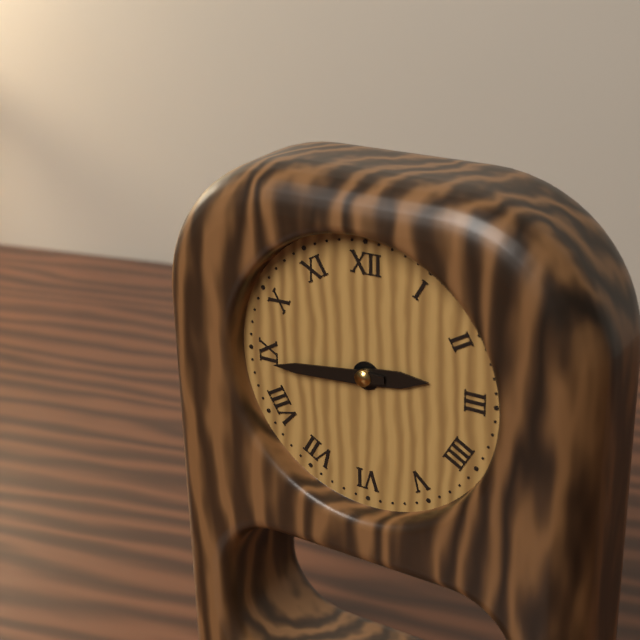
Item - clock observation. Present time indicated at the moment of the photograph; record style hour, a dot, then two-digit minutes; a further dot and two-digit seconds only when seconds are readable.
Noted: 2.44
